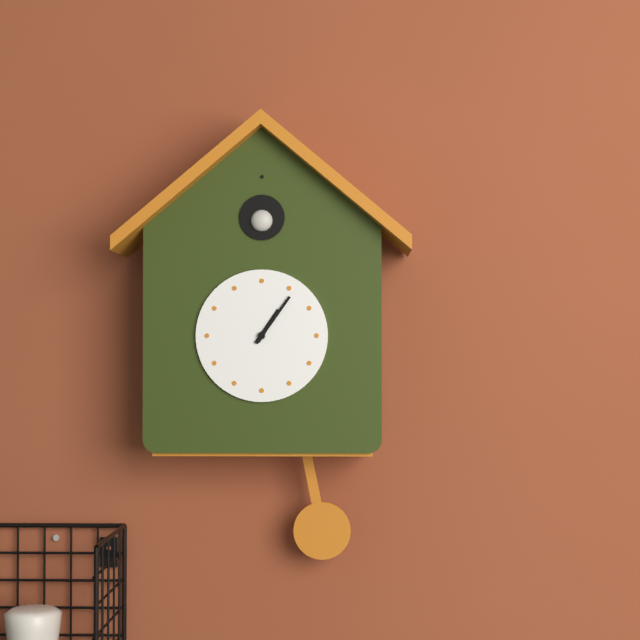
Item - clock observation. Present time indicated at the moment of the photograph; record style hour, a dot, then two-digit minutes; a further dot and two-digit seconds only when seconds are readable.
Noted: 1.06
